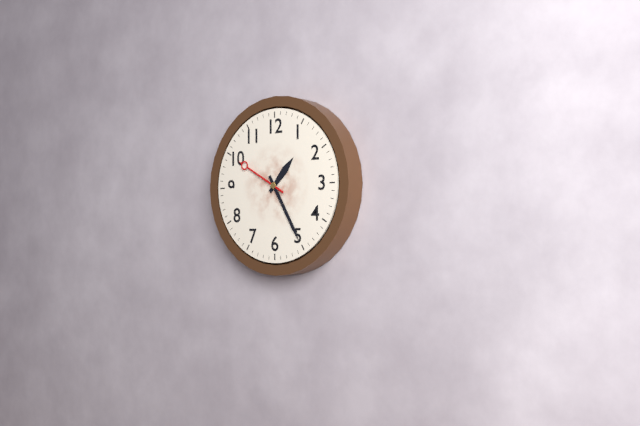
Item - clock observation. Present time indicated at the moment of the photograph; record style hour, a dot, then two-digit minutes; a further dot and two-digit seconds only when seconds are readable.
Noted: 1.25.50
